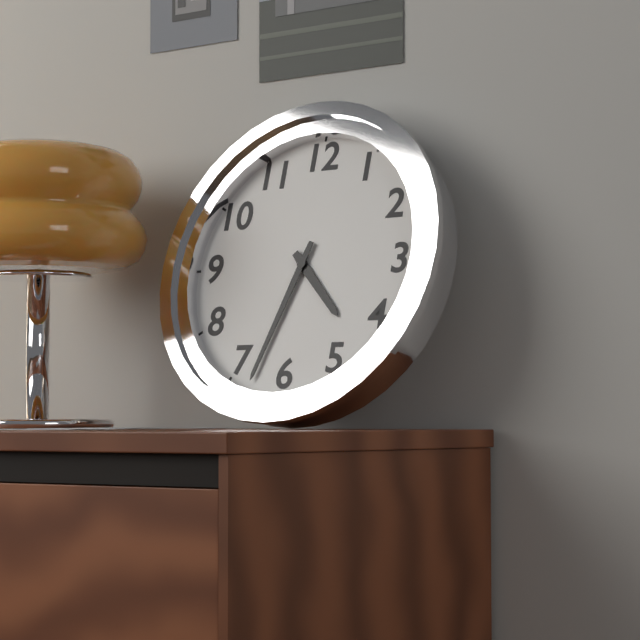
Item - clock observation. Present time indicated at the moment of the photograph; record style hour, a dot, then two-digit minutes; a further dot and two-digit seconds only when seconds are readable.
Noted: 4.33
